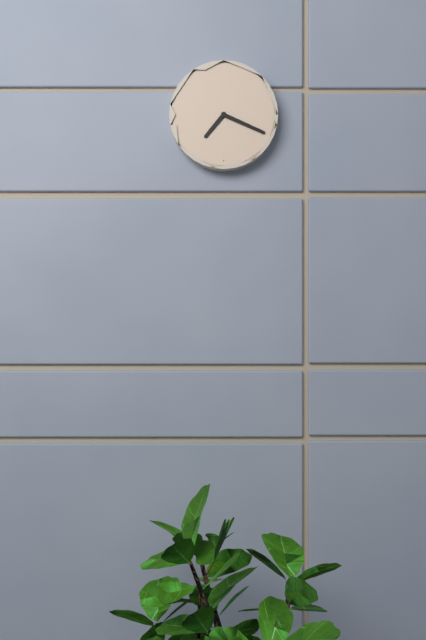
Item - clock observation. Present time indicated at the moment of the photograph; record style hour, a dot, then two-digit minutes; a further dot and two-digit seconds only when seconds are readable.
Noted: 7.19
